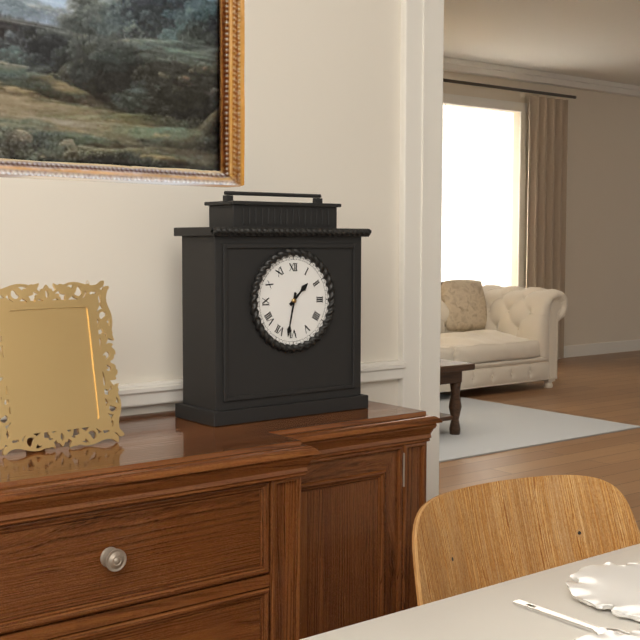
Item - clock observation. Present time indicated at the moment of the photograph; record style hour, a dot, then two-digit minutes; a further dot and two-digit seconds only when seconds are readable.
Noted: 1.32
